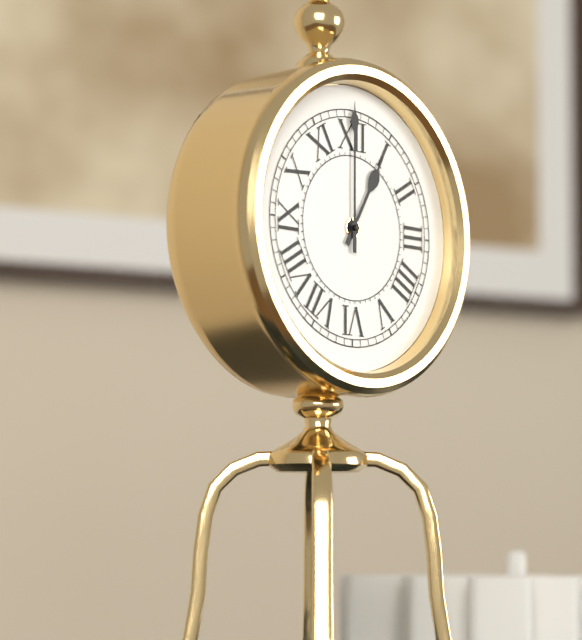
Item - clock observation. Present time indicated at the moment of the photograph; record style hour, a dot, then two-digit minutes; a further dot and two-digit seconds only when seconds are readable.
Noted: 1.00
